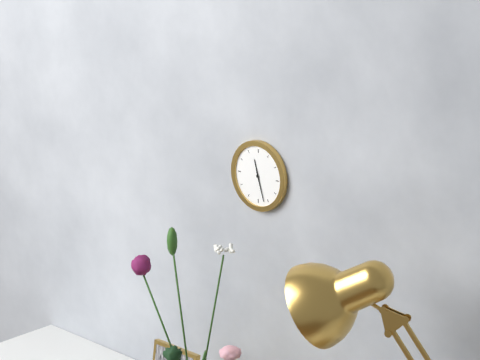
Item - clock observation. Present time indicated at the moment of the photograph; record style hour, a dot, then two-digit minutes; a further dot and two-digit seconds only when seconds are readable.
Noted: 11.27
